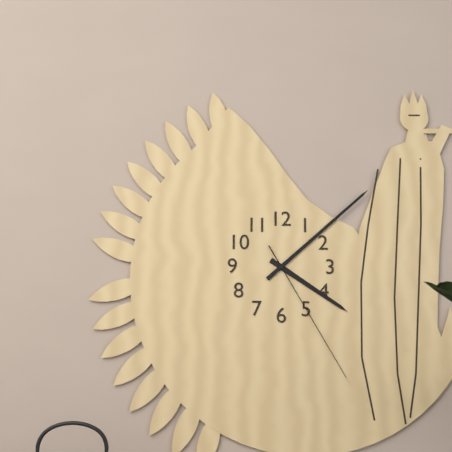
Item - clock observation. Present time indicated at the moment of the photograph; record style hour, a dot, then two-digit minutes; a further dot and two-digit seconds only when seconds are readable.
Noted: 4.08.25
